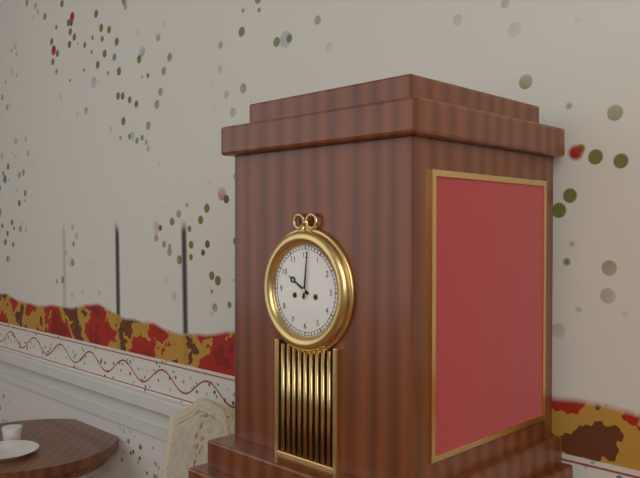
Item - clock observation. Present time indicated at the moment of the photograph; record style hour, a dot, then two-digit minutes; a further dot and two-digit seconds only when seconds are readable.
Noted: 10.01
